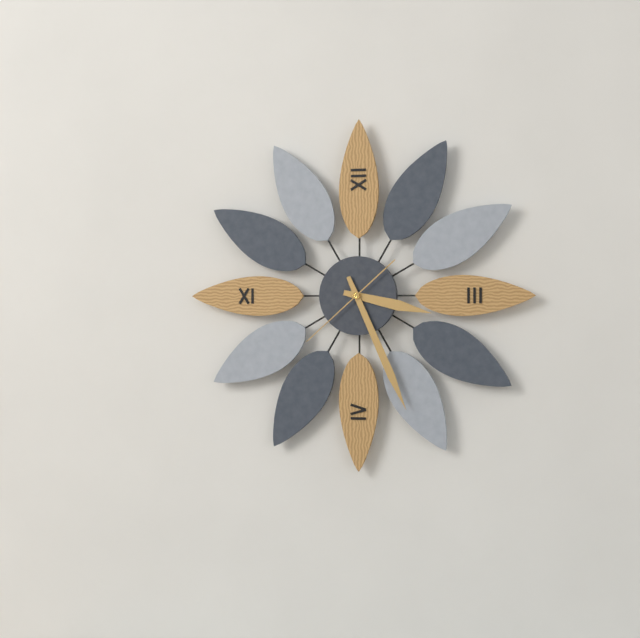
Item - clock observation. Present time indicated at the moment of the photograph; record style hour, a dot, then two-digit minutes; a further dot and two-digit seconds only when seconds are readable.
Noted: 3.26.38
